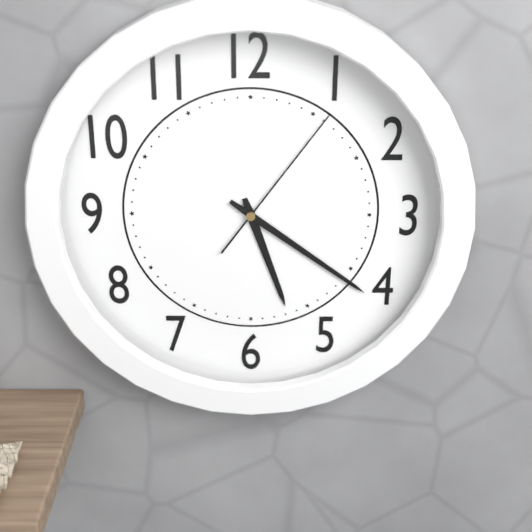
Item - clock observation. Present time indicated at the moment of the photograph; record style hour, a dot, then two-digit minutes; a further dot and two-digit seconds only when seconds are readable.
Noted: 5.21.06
